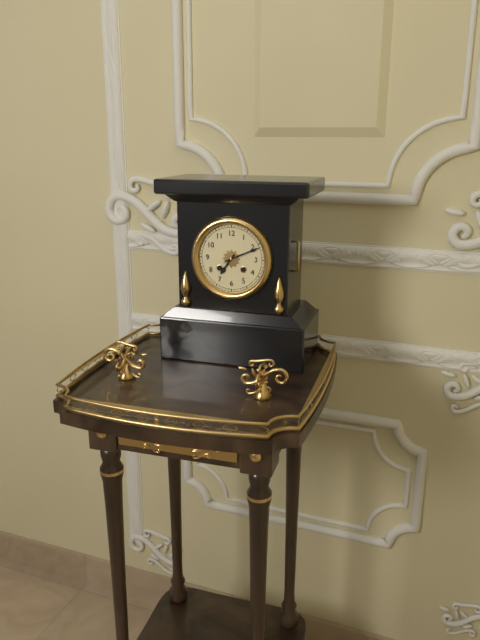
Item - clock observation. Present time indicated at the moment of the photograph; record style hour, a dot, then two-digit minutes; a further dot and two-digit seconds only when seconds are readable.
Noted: 7.11
